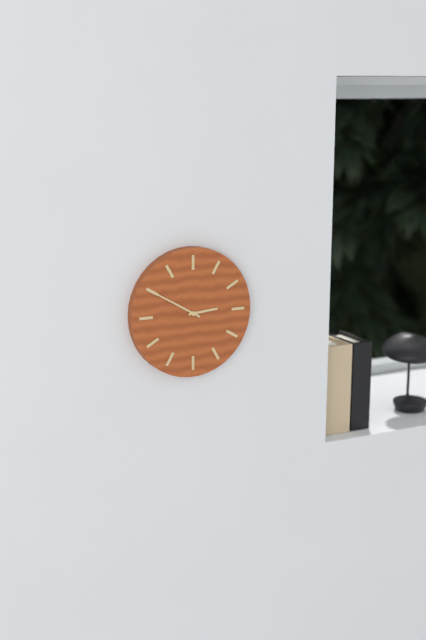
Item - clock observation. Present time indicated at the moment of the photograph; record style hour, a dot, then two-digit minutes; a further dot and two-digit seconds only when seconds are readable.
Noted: 2.50
